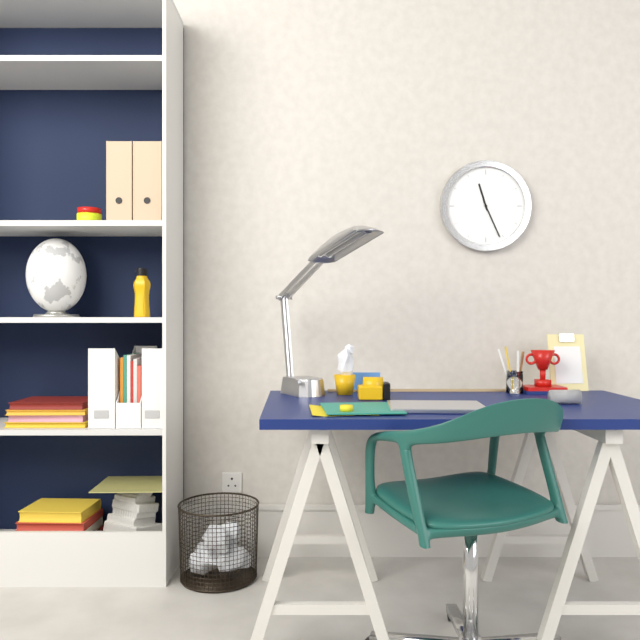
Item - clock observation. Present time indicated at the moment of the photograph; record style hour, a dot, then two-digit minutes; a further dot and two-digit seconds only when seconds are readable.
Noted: 11.26
